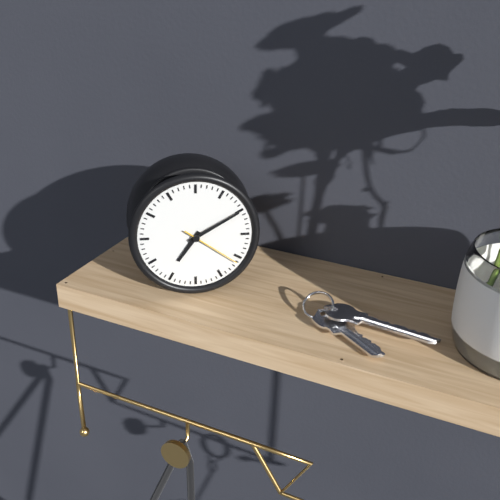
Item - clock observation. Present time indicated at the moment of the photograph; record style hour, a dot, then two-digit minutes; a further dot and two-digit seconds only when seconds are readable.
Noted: 7.10.21
